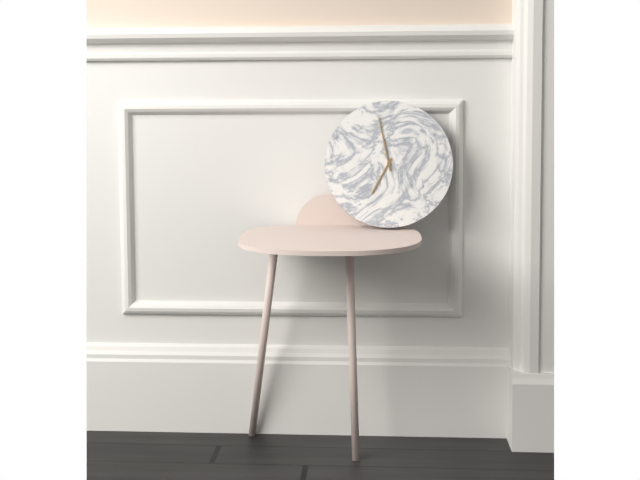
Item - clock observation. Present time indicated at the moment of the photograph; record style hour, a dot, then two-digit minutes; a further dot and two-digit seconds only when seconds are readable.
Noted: 6.58
